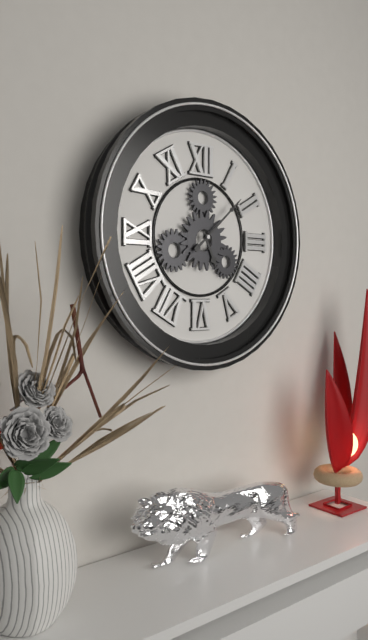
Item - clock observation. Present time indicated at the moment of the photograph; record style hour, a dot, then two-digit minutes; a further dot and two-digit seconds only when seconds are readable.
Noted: 5.08
